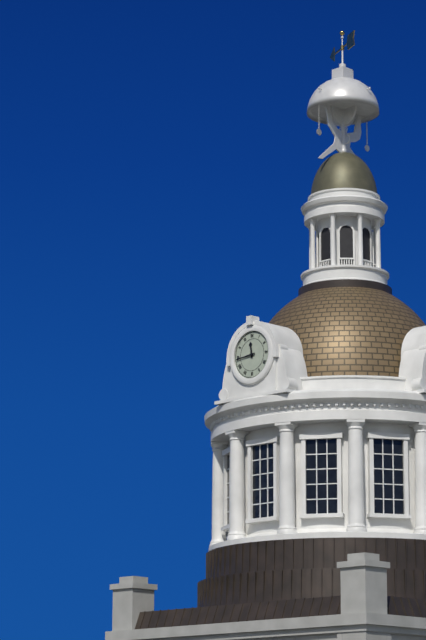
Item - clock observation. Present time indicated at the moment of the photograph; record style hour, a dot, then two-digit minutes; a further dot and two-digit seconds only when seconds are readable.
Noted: 11.44
